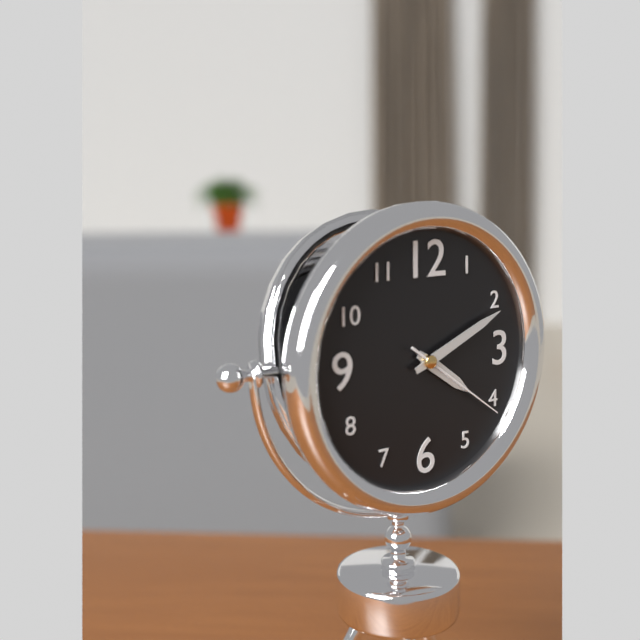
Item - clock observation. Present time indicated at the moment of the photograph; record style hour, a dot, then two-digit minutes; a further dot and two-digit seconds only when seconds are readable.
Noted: 4.11.21
